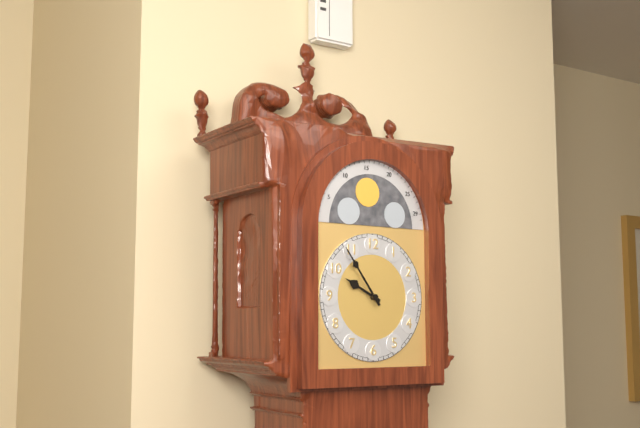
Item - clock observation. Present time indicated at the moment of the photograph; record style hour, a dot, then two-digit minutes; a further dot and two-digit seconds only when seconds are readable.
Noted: 9.54
